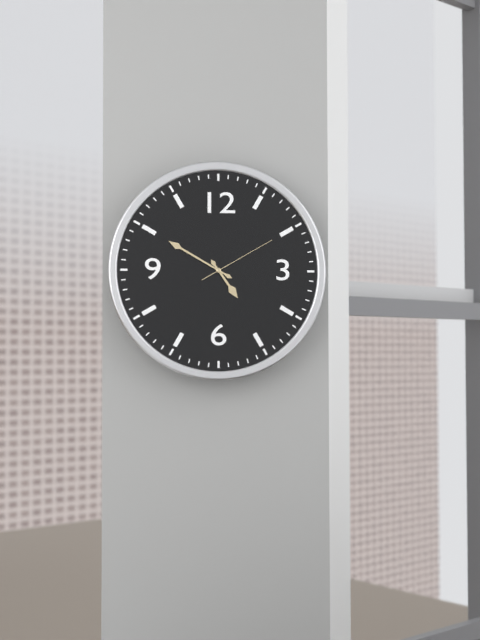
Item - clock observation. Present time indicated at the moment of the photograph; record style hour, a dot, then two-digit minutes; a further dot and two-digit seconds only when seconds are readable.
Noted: 4.50.10
